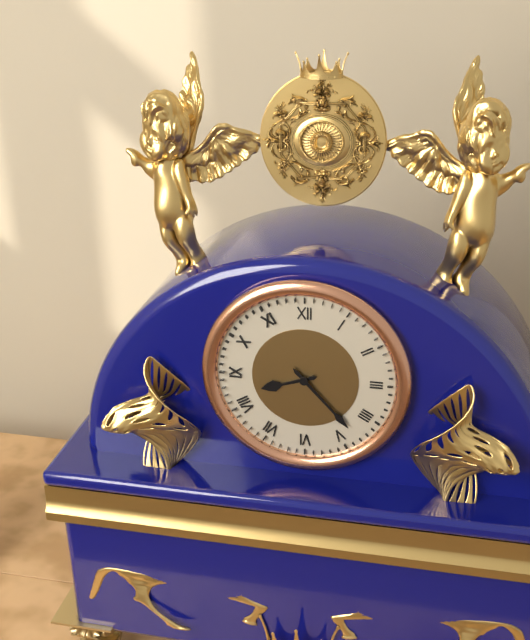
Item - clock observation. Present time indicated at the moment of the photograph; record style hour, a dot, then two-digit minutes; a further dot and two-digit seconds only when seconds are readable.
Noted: 8.23
